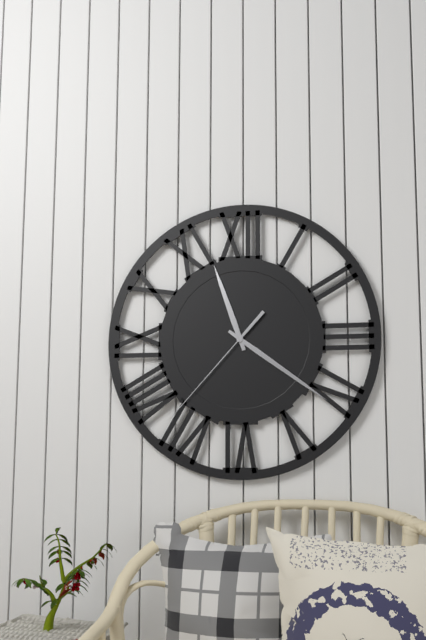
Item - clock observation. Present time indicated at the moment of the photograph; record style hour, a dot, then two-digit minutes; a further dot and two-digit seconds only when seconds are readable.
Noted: 11.21.37
